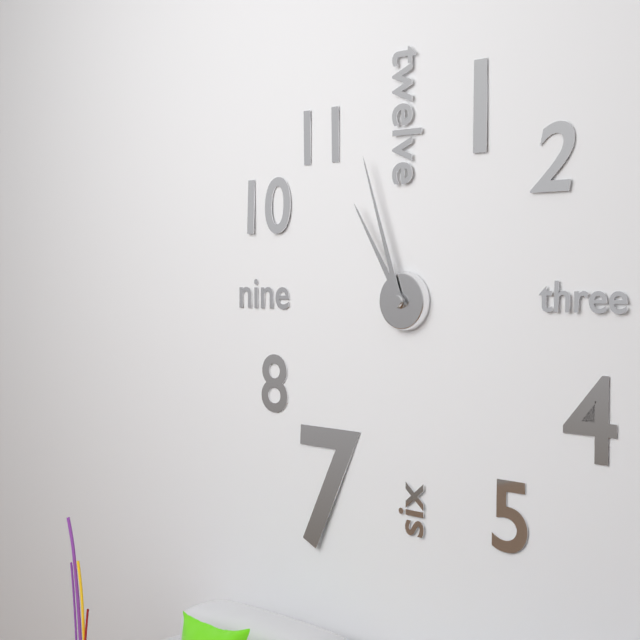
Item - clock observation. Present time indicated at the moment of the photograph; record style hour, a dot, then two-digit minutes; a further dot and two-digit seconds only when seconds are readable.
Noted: 10.57
